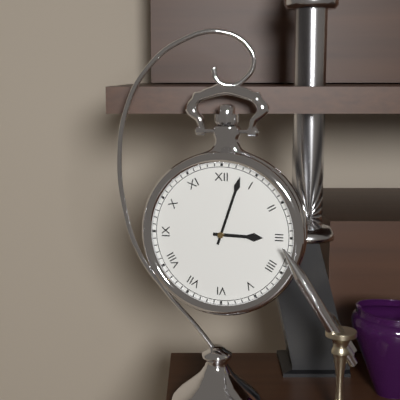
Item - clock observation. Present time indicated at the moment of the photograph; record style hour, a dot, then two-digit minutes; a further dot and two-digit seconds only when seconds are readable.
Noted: 3.03
